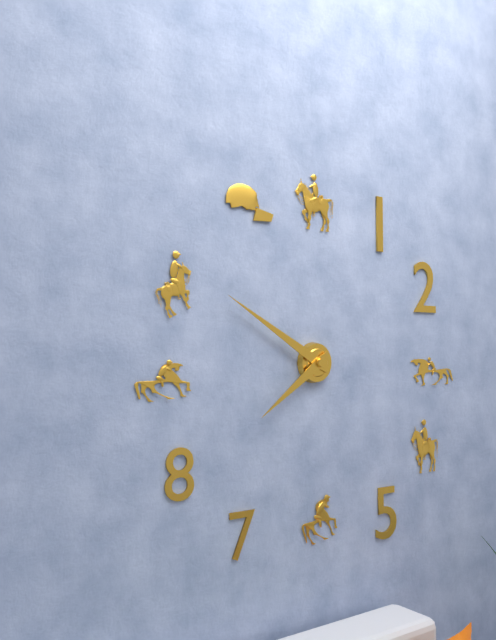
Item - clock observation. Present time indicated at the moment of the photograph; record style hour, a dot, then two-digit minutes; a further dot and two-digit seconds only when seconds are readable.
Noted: 7.50
